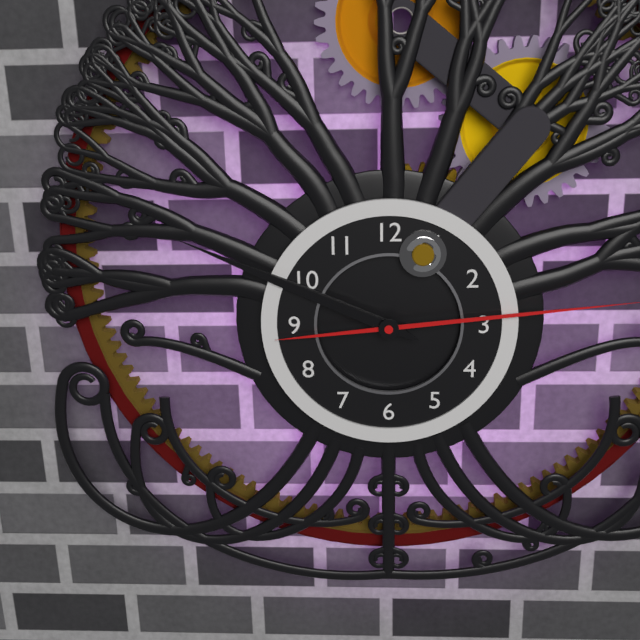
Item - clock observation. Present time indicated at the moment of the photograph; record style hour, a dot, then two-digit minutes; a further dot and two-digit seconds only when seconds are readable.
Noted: 9.49
